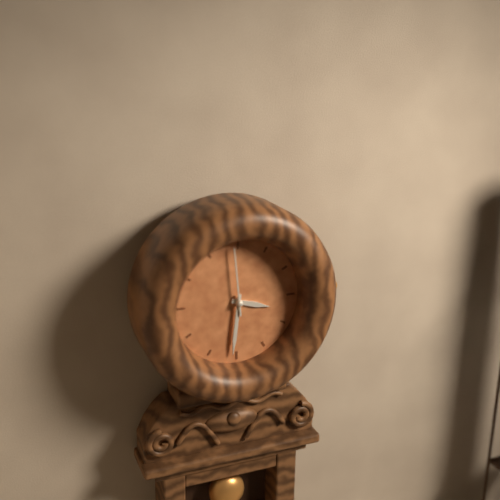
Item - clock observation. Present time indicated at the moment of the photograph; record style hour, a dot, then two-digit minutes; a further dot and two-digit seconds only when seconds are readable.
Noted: 3.31
